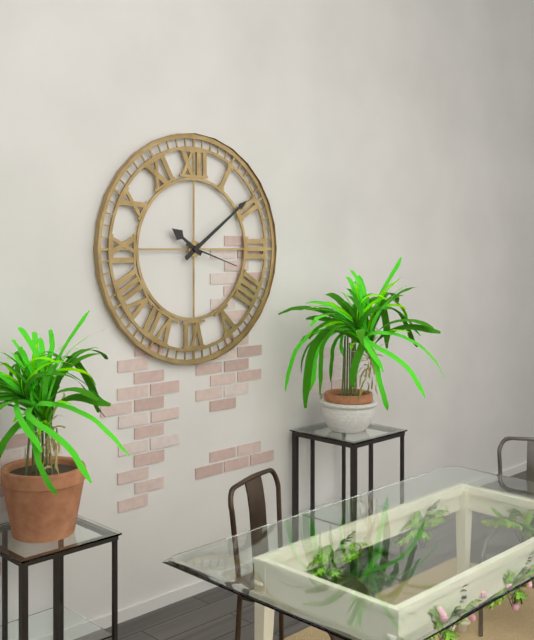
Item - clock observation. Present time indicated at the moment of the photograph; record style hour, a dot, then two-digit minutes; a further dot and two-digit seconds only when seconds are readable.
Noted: 10.09.18
